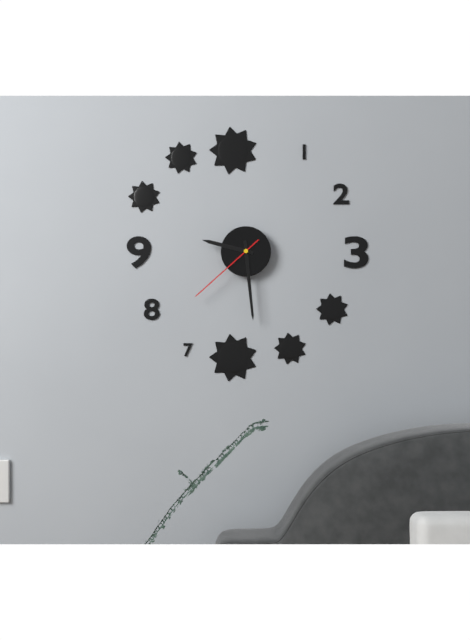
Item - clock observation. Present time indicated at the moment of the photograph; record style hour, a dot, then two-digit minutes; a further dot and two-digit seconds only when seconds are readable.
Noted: 9.29.38
